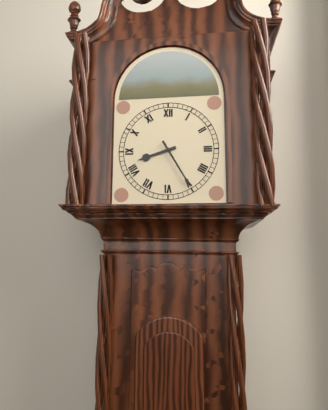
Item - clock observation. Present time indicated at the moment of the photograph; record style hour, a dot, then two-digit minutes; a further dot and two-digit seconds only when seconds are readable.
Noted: 8.25
